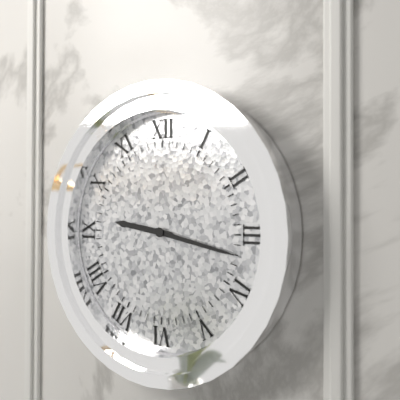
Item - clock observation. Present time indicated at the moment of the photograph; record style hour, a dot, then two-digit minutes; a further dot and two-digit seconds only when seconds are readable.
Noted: 9.17
